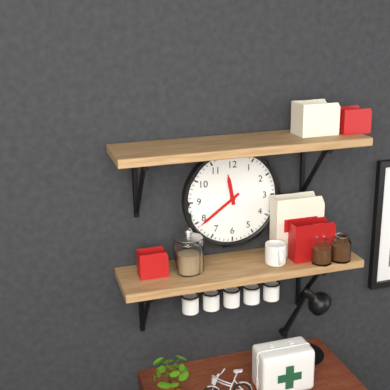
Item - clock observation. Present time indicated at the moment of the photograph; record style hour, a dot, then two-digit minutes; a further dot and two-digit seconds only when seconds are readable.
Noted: 11.39
